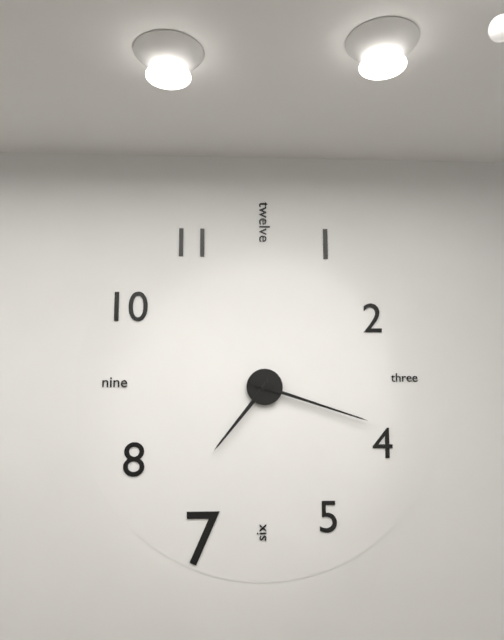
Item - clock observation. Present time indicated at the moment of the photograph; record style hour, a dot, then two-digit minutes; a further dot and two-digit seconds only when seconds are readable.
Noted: 7.18
